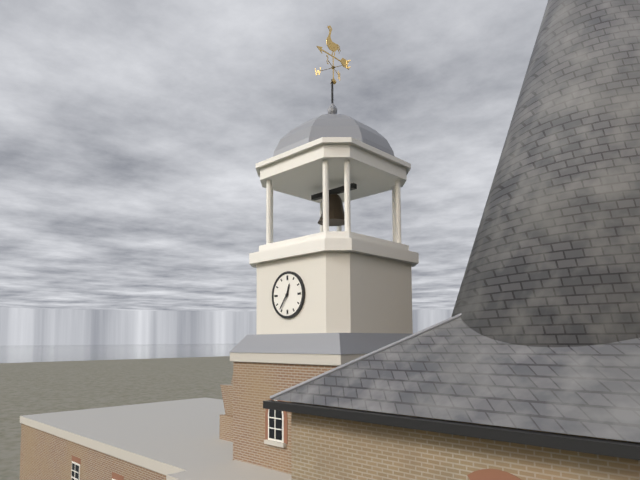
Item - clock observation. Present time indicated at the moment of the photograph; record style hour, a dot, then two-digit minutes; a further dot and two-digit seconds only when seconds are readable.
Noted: 12.36
